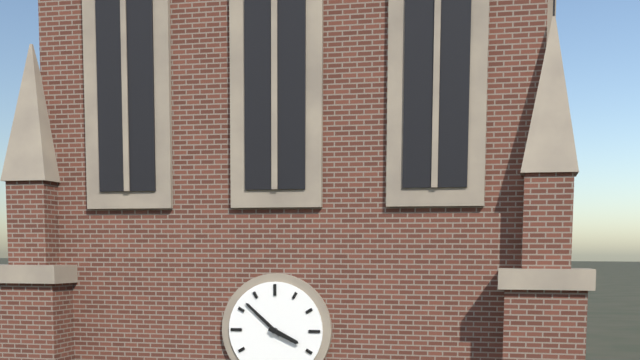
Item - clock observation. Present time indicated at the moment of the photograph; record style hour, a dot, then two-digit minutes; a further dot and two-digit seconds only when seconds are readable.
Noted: 3.52
